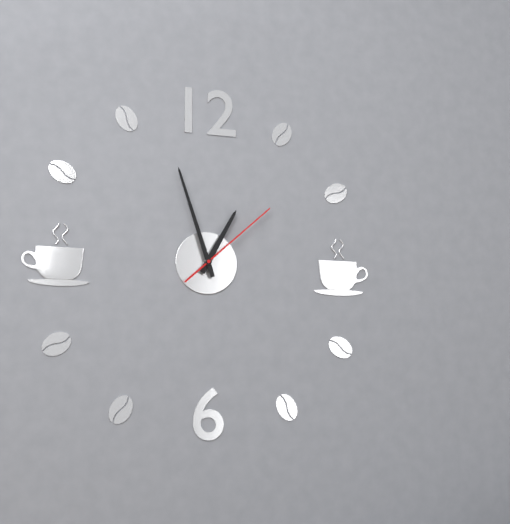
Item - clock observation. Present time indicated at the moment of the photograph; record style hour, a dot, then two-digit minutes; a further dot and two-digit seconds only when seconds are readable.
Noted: 12.57.08
